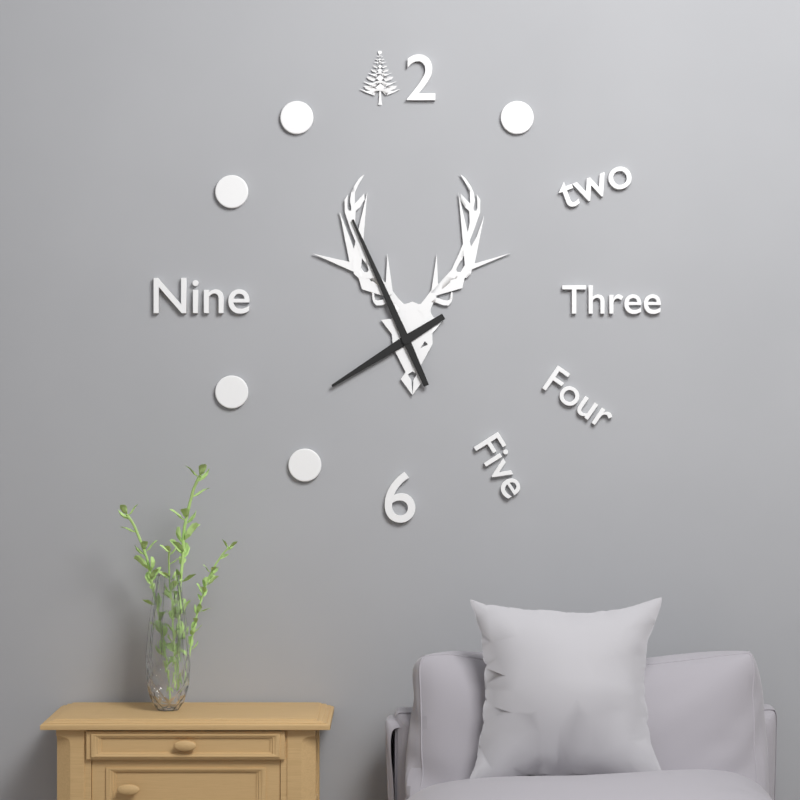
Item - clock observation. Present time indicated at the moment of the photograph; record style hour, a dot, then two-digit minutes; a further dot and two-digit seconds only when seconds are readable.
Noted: 7.56
